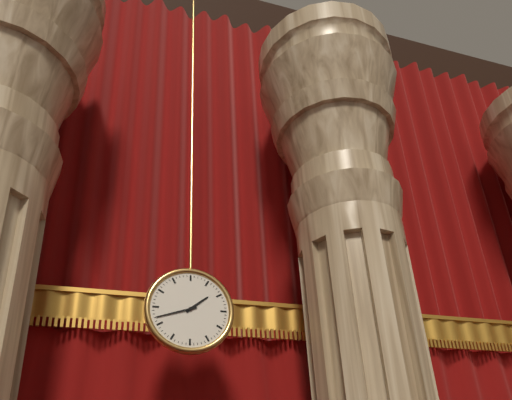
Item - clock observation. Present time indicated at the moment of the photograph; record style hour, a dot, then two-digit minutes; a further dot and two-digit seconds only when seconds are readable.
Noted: 1.42
